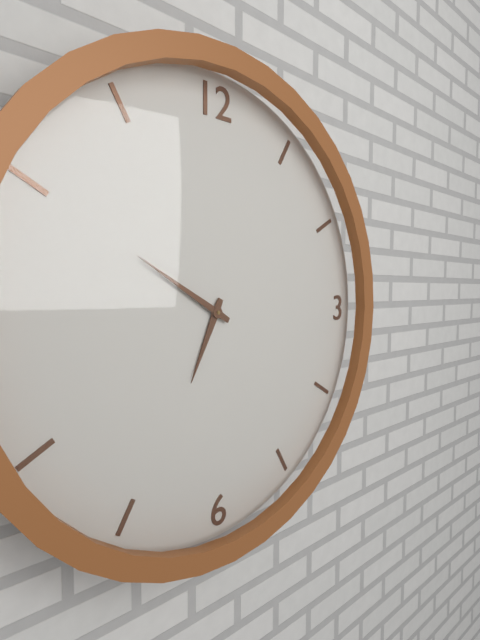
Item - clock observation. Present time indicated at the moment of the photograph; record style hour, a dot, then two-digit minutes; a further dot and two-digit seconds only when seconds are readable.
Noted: 6.50
